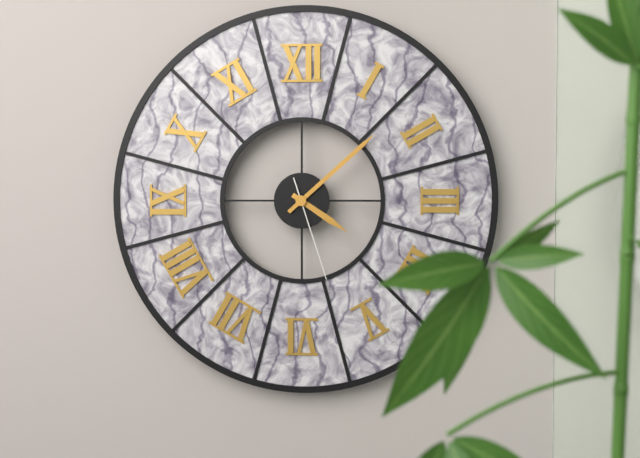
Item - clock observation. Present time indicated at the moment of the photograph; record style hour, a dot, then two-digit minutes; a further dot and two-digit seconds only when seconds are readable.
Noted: 4.08.27
